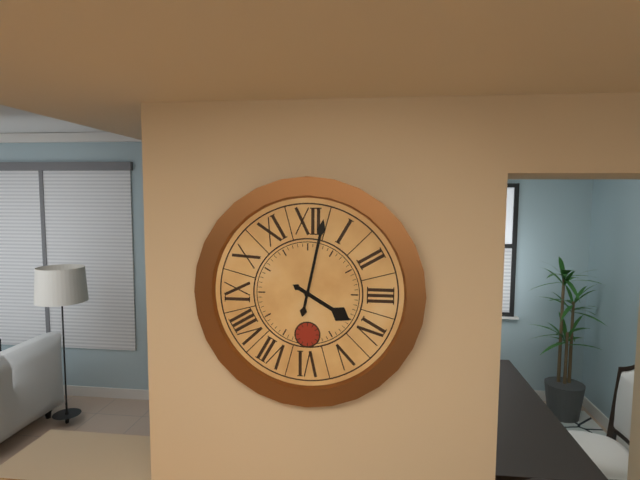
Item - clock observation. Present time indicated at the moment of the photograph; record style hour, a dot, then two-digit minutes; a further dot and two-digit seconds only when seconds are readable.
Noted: 4.02
